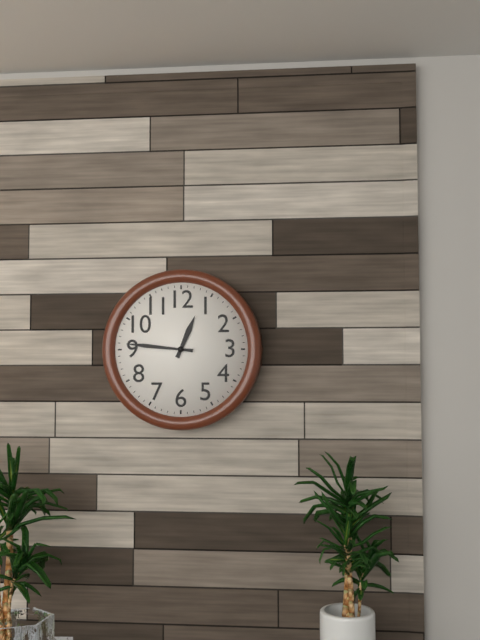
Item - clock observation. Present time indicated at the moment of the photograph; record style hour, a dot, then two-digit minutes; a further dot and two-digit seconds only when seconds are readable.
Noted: 12.46
